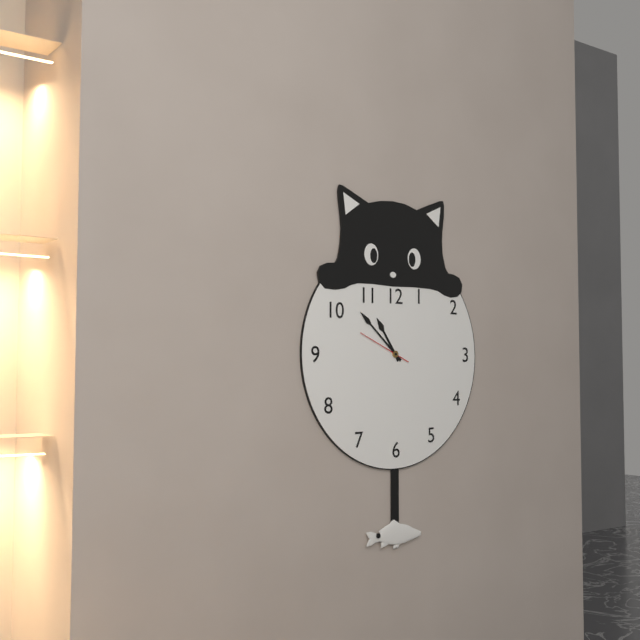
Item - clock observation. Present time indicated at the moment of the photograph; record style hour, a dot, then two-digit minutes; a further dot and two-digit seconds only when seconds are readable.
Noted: 10.52.49
